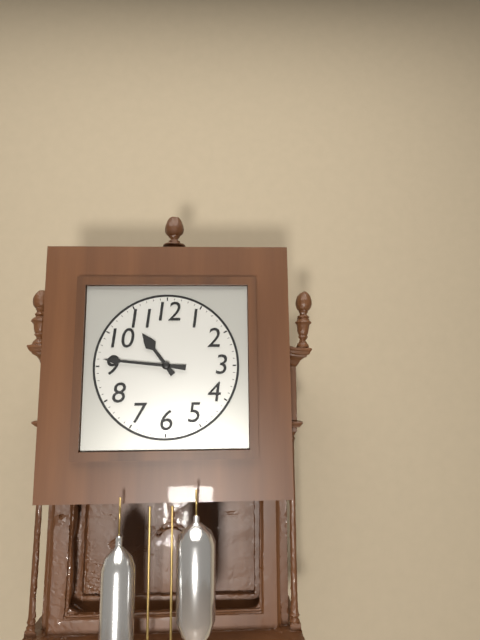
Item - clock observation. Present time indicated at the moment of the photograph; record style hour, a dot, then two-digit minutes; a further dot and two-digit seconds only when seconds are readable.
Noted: 10.46
